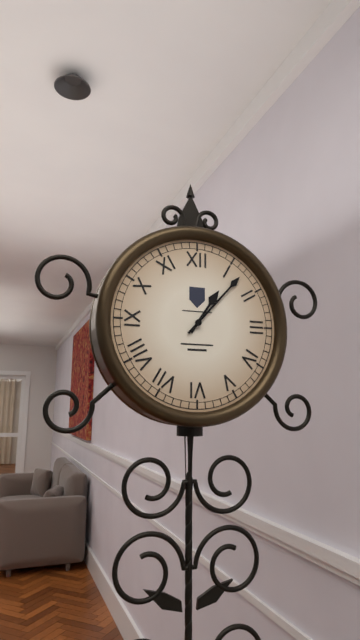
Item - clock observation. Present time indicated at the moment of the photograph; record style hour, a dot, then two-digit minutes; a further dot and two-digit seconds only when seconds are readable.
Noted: 1.07
